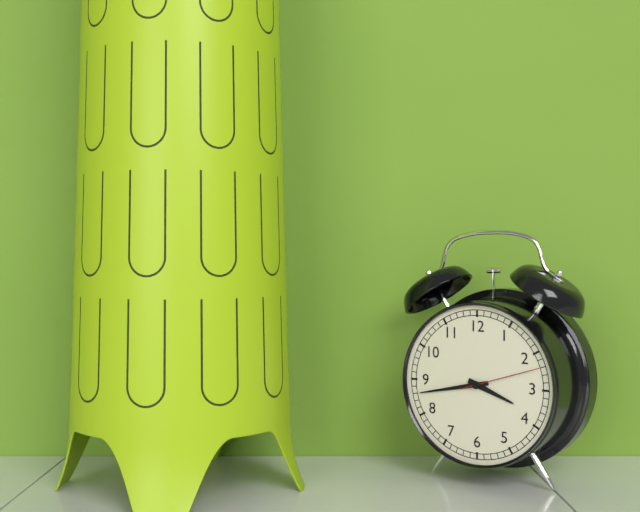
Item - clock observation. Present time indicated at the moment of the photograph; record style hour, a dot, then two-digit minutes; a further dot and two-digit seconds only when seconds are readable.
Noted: 3.43.12
